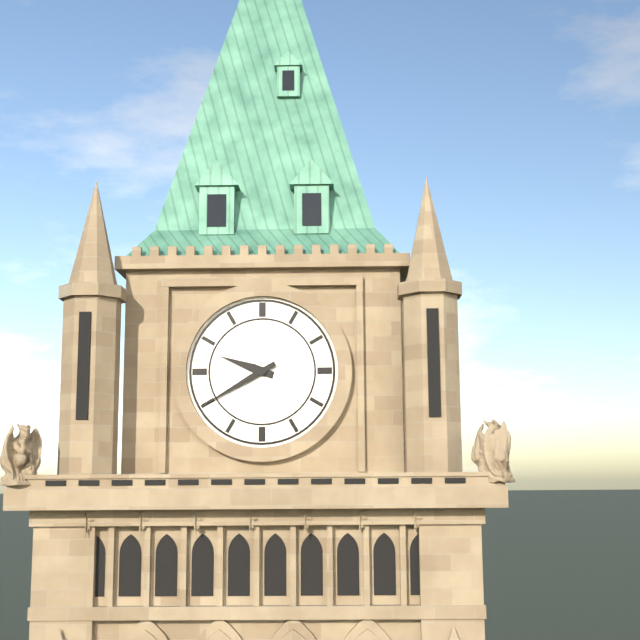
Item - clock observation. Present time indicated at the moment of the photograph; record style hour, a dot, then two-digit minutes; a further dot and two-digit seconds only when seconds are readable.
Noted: 9.40
